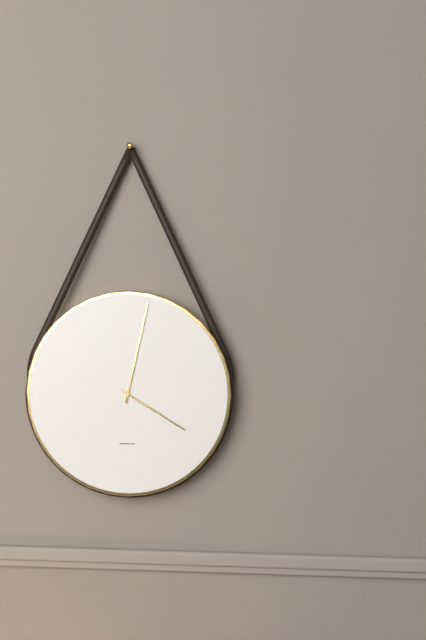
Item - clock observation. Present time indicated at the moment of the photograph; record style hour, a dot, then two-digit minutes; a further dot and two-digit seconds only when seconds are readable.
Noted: 4.02
